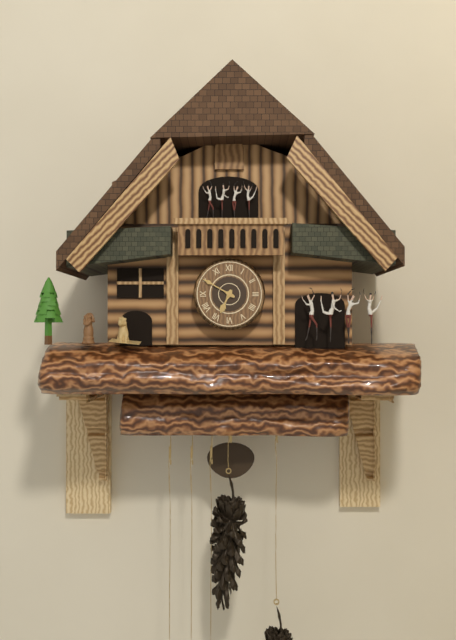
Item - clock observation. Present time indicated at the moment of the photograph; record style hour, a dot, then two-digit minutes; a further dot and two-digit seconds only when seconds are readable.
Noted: 6.50
